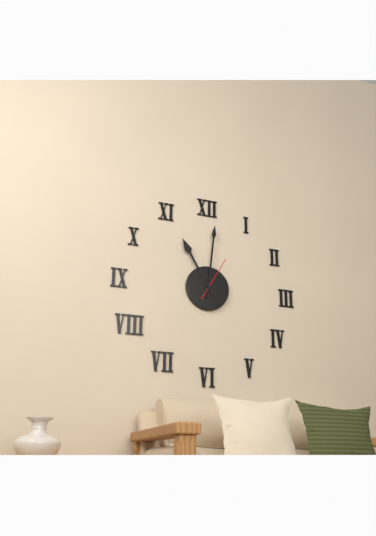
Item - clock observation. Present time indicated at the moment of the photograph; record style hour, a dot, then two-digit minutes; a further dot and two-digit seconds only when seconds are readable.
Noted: 11.01
